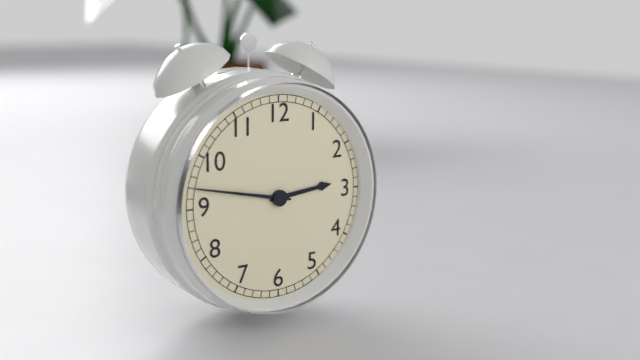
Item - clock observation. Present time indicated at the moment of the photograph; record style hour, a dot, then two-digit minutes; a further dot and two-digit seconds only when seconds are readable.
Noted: 2.47
